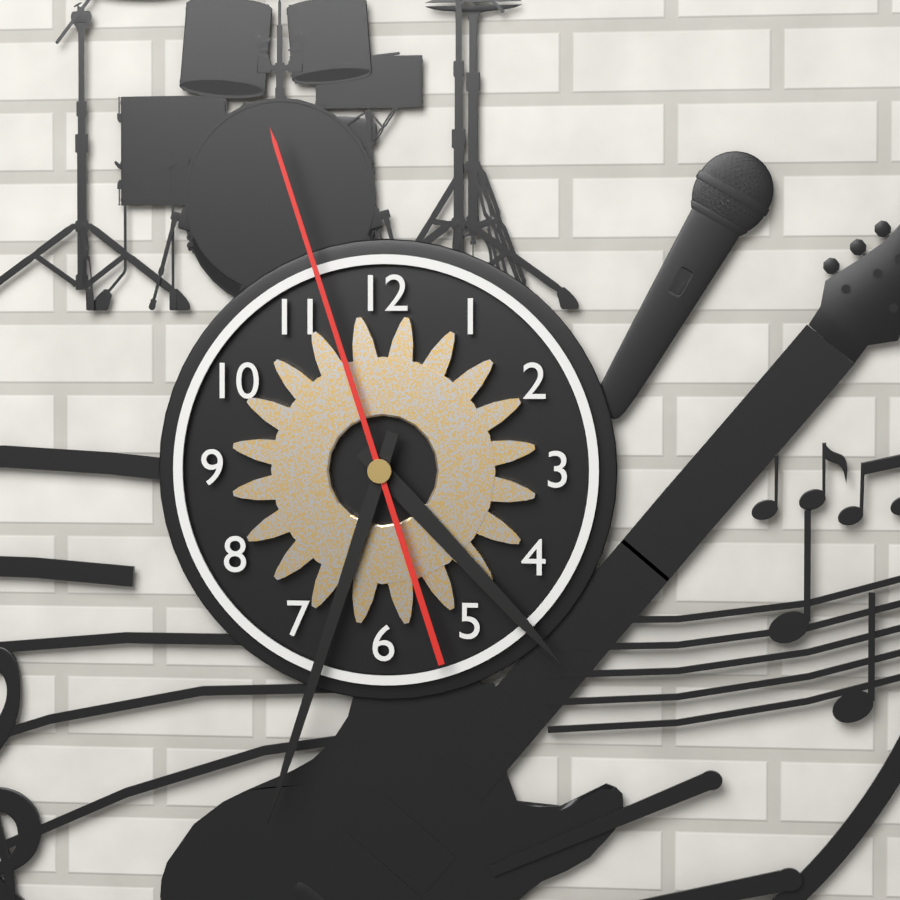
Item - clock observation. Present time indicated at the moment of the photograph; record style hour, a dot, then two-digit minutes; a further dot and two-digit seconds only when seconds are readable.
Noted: 4.33.57
